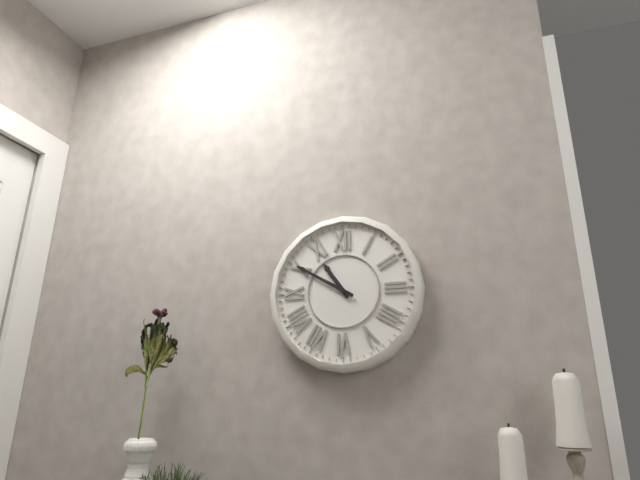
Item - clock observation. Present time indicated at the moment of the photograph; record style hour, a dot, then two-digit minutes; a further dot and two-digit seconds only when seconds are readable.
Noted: 10.50
